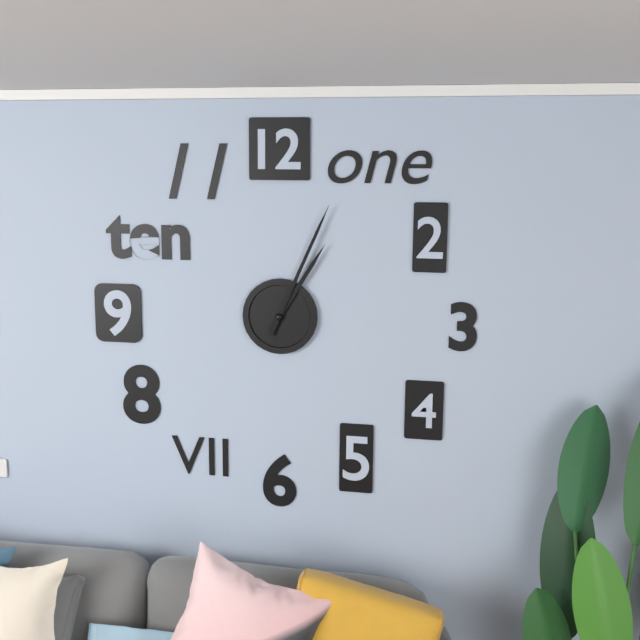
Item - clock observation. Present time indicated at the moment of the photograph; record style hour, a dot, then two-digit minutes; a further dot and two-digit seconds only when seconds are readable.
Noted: 1.04
